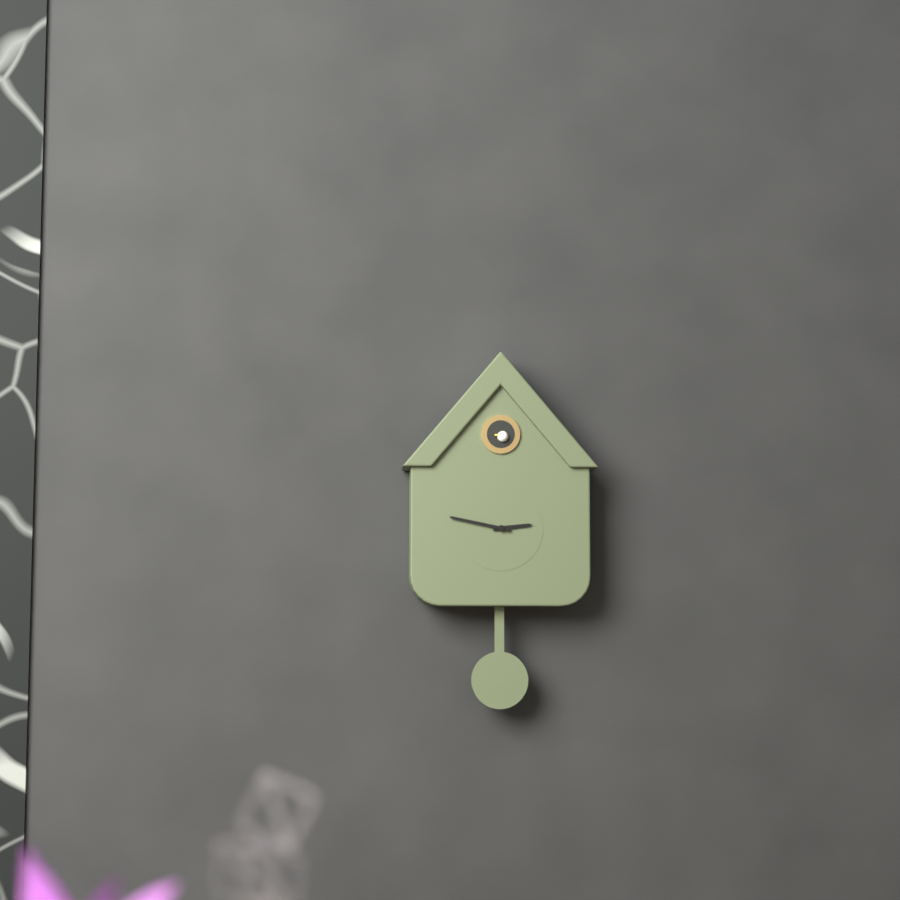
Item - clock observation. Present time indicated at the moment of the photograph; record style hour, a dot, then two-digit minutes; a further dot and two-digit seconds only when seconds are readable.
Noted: 2.47
